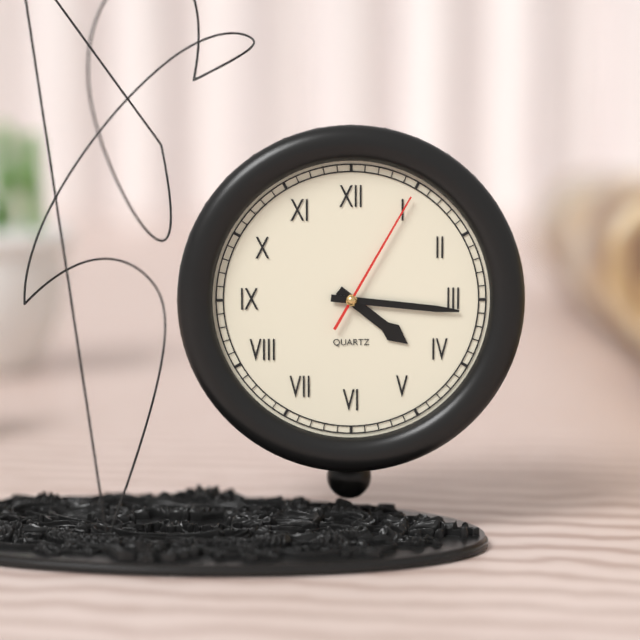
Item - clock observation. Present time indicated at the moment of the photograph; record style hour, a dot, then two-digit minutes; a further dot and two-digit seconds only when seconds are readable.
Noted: 4.16.05
